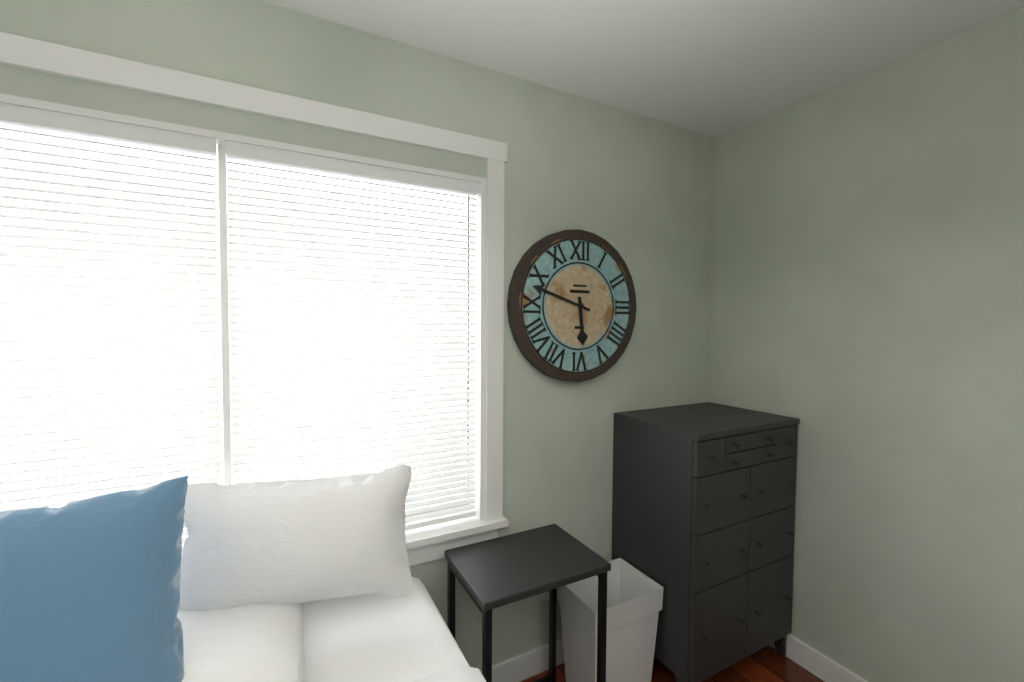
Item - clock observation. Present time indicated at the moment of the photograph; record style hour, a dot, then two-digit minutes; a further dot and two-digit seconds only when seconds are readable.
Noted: 5.48
